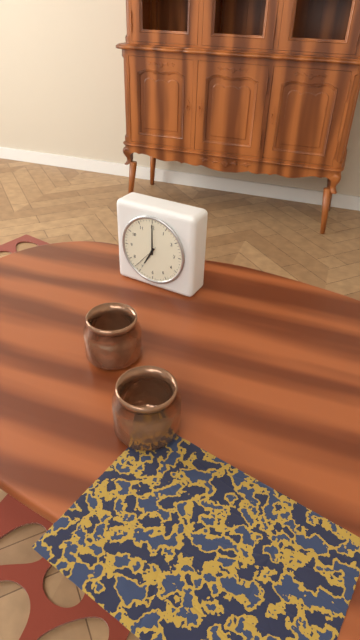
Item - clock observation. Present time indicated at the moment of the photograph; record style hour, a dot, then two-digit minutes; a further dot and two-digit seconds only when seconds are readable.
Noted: 7.00
